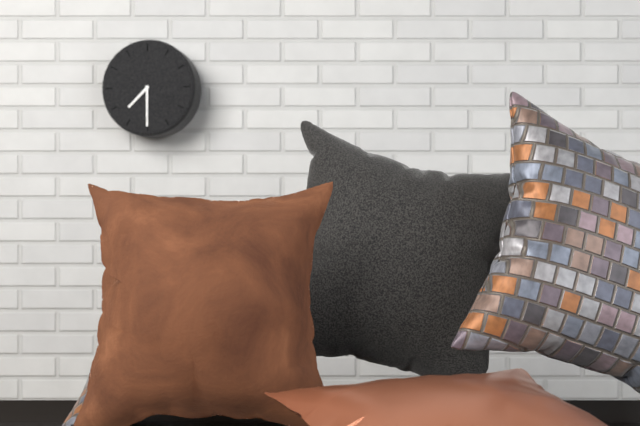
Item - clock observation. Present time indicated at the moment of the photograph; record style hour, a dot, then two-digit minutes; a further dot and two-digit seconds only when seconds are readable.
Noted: 7.30
